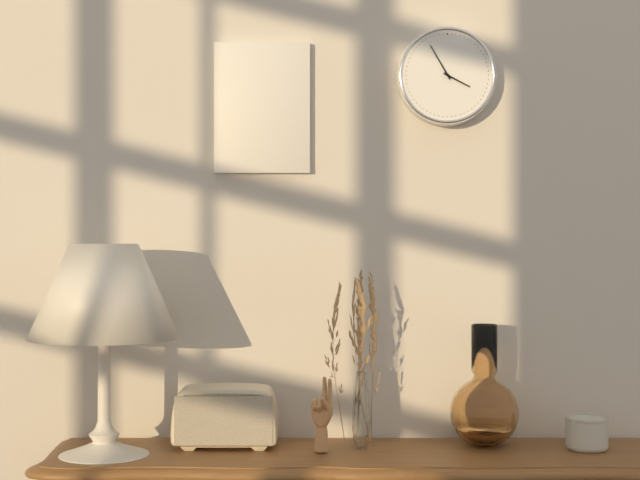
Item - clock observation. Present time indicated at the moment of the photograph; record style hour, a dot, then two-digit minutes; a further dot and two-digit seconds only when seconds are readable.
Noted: 3.55
